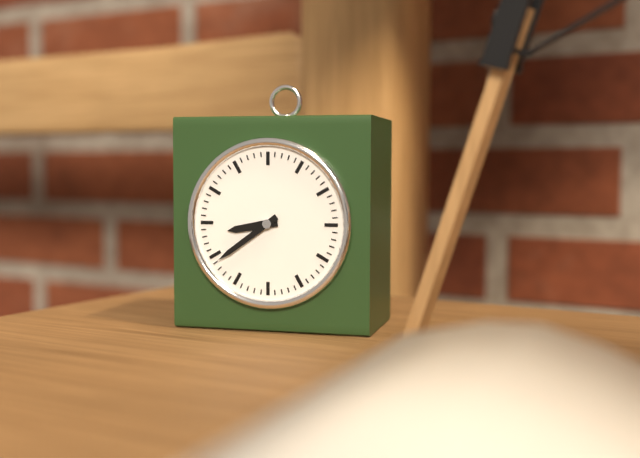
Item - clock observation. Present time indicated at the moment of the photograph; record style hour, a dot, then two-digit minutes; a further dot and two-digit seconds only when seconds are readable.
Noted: 8.39
